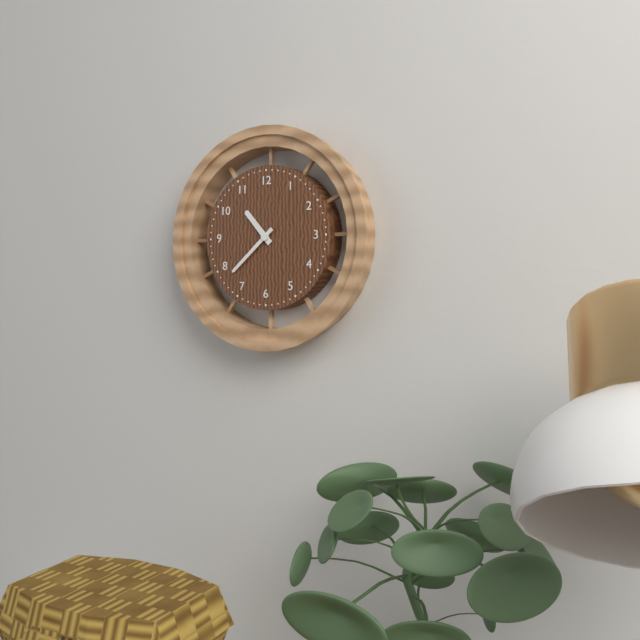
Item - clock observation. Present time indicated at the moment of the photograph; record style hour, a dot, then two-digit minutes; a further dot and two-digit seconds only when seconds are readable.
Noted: 10.38
